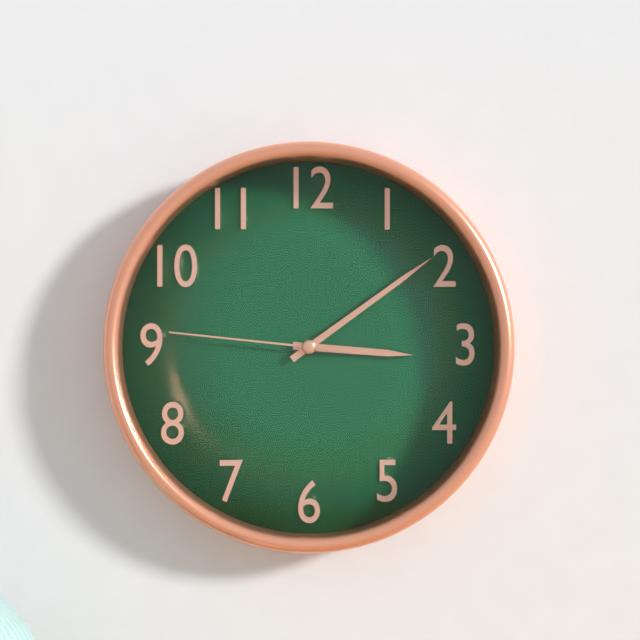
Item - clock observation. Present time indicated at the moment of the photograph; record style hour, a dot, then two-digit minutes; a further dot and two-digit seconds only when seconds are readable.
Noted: 3.09.46
